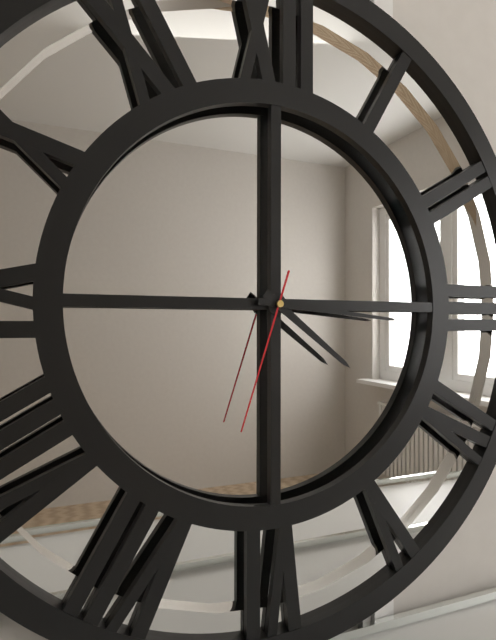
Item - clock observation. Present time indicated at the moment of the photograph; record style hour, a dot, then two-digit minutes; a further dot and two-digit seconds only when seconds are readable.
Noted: 4.16.33
